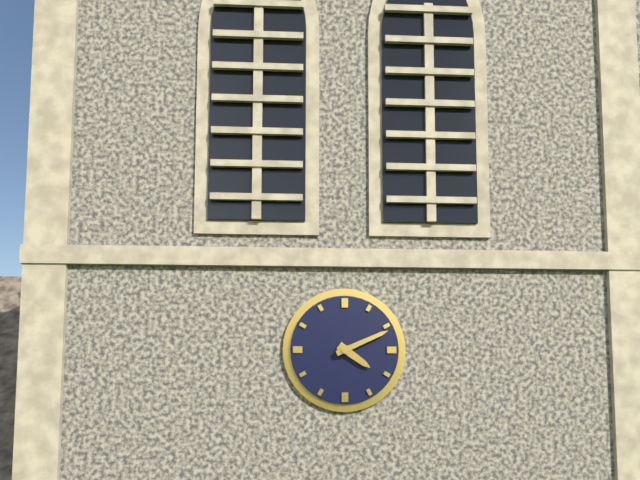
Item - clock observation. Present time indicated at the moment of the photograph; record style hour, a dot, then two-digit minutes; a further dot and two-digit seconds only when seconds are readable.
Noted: 4.11
